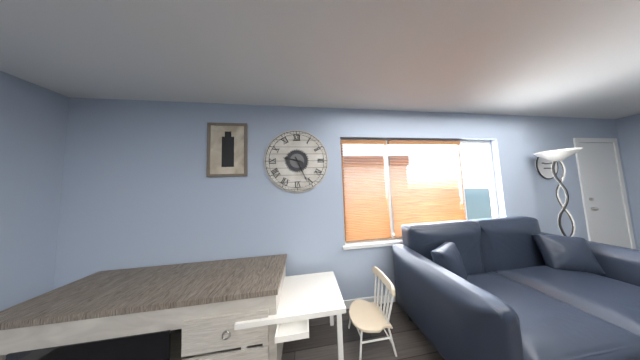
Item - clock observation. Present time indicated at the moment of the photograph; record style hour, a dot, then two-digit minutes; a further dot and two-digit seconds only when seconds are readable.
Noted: 9.26
